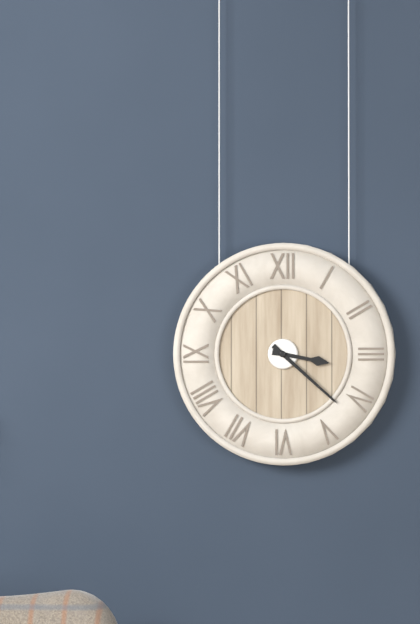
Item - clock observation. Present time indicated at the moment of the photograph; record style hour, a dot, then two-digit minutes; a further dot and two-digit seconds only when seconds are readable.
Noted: 3.22
